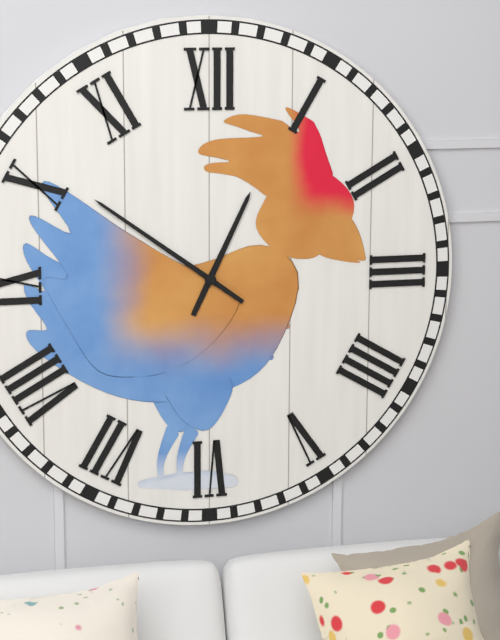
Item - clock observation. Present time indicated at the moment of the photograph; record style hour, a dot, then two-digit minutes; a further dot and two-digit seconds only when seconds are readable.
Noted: 12.51
